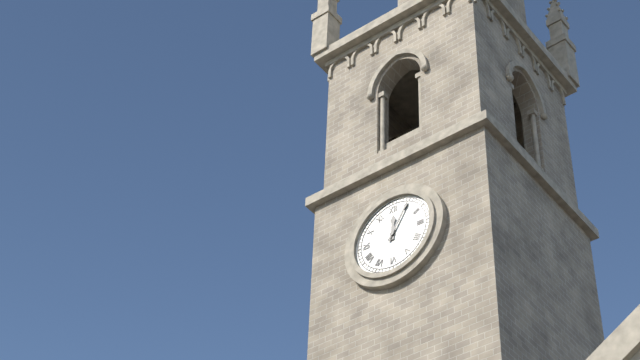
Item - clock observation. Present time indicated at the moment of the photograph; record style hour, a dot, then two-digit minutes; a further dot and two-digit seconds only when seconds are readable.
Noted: 12.05
